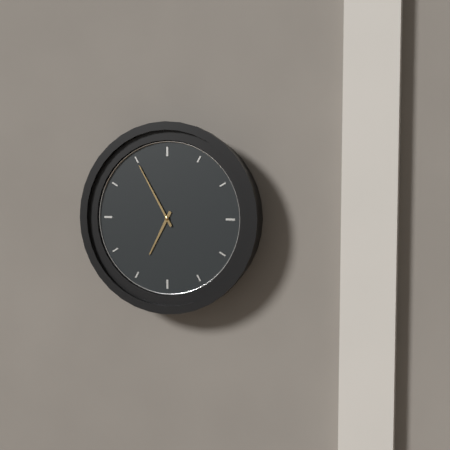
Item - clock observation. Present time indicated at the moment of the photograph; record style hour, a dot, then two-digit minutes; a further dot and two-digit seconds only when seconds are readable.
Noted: 6.55
